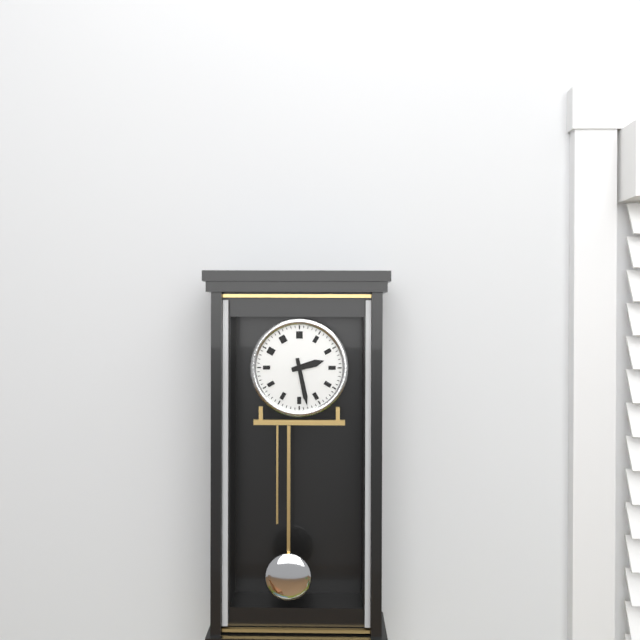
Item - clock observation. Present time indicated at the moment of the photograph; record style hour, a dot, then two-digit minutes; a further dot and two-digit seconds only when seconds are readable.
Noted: 2.28
